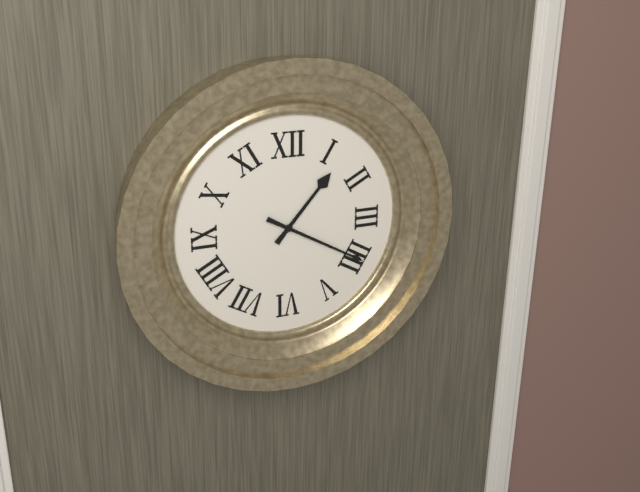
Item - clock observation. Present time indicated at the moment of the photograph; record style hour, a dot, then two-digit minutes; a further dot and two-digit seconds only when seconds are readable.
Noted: 1.20
